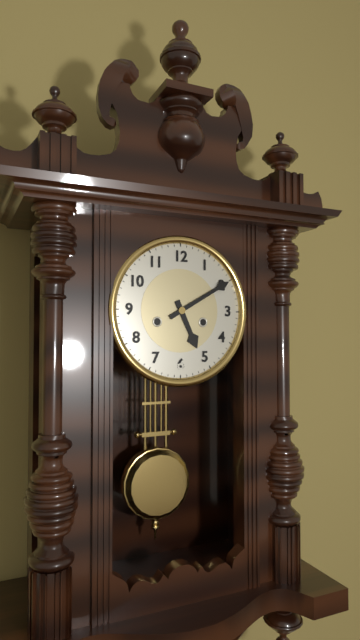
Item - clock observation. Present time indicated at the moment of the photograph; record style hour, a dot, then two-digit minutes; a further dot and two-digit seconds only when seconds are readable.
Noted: 5.10
